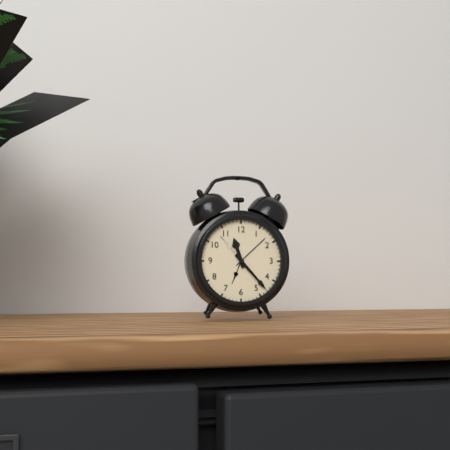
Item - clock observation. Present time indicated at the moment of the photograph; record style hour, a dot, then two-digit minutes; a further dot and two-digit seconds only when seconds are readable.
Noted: 11.23
